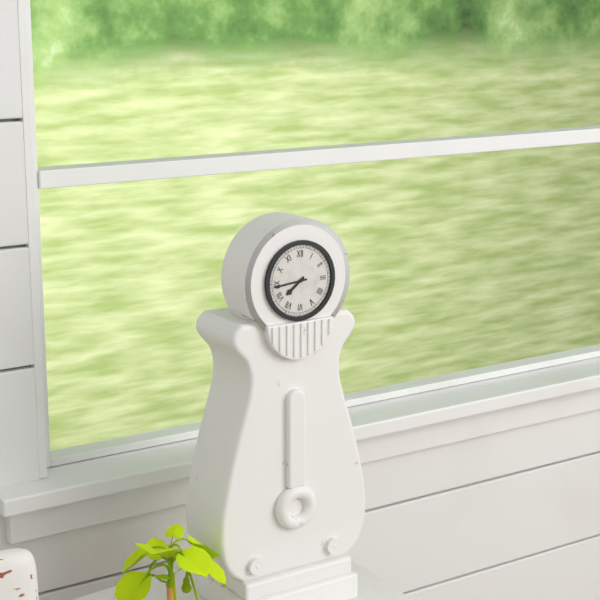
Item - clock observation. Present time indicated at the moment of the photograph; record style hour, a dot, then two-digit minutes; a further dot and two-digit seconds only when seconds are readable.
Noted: 7.44
